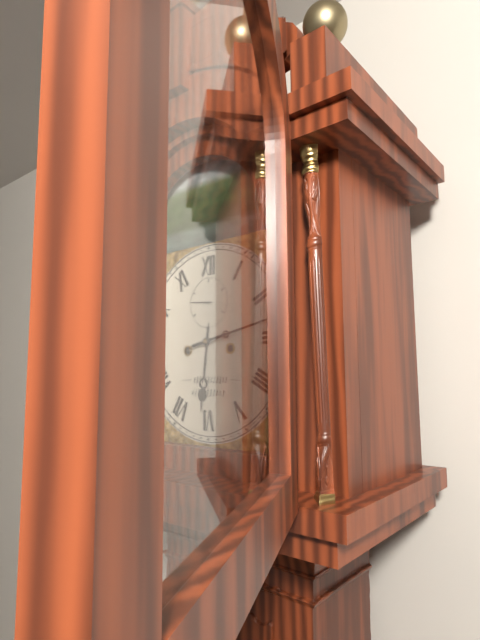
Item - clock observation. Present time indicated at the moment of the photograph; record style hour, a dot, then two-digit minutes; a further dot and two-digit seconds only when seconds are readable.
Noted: 6.13
